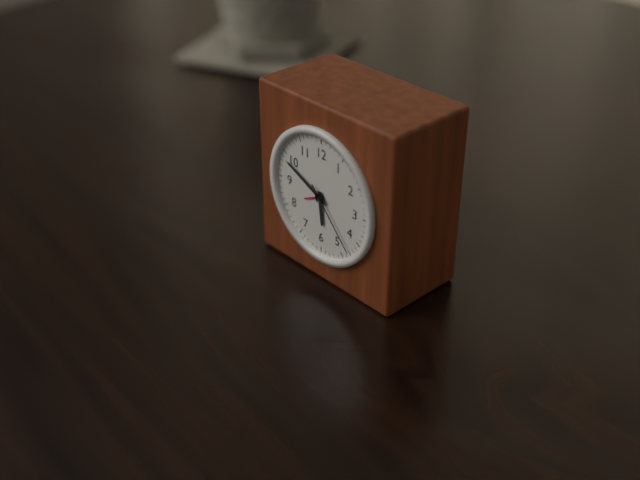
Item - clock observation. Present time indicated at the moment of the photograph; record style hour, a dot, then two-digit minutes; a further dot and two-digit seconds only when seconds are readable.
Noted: 5.49.23
